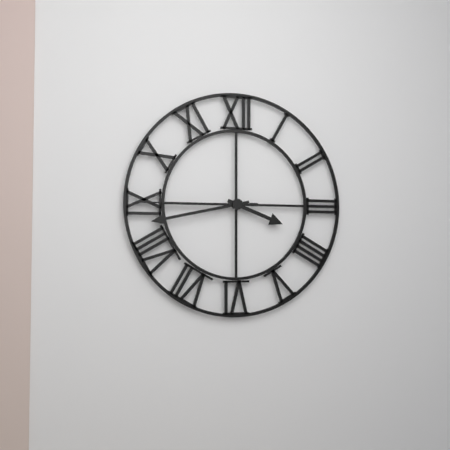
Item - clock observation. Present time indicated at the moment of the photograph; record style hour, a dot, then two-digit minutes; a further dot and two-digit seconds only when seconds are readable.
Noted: 3.43.45
